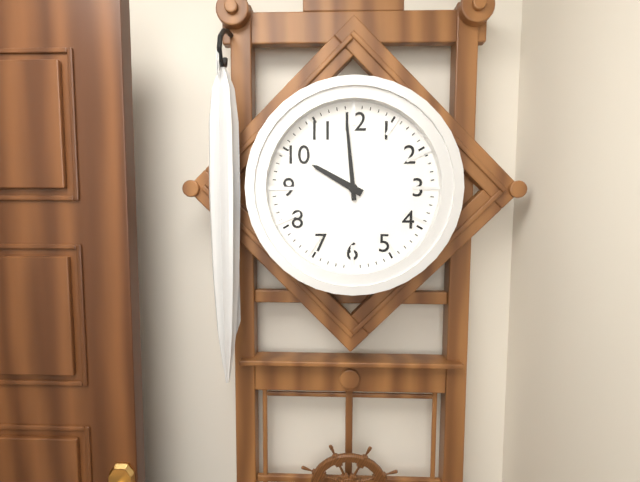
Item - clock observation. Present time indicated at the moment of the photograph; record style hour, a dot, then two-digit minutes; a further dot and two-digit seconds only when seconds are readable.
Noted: 9.59
